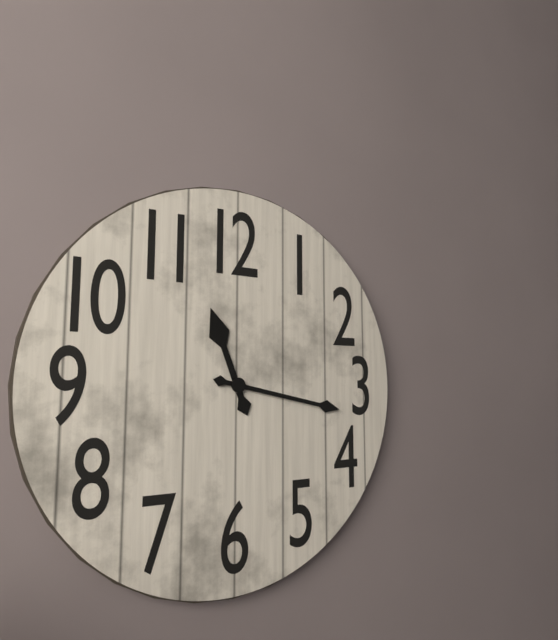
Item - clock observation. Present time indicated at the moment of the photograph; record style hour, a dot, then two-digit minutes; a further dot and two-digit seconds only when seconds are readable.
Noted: 11.17
